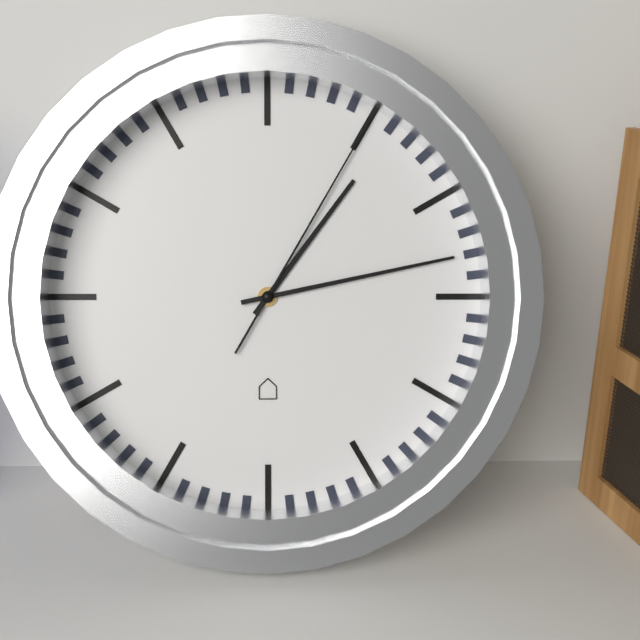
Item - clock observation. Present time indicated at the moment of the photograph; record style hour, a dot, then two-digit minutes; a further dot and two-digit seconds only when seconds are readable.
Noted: 1.13.05
